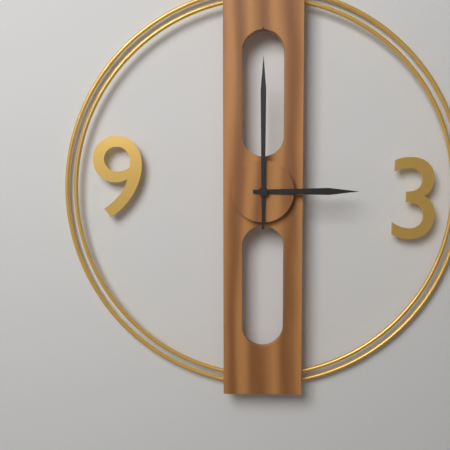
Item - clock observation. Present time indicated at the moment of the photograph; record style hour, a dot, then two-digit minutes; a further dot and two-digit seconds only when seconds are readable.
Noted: 3.00
